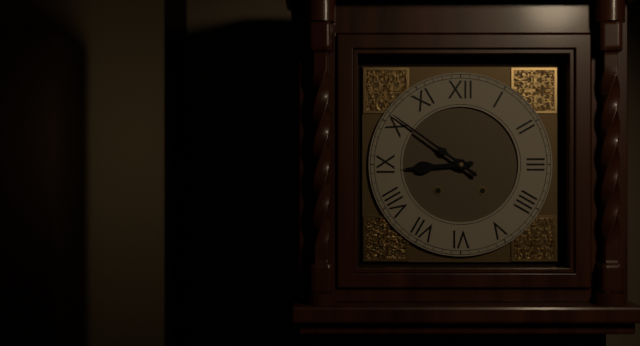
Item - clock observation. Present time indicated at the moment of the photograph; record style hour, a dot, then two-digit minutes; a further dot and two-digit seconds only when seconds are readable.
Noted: 8.51
